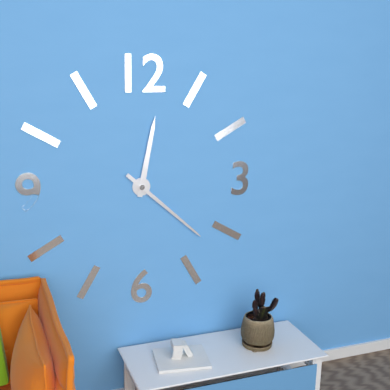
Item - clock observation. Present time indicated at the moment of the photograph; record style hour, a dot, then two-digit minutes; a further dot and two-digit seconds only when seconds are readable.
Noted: 12.22
